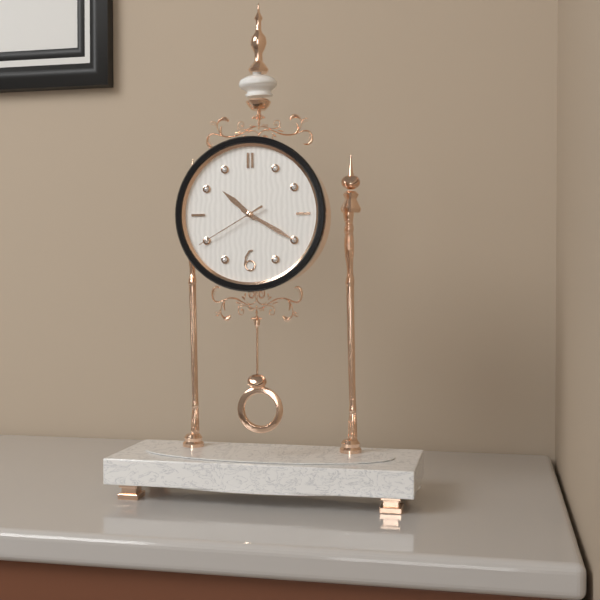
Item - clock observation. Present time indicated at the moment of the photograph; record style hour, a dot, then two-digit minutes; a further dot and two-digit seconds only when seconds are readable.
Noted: 10.20.40
